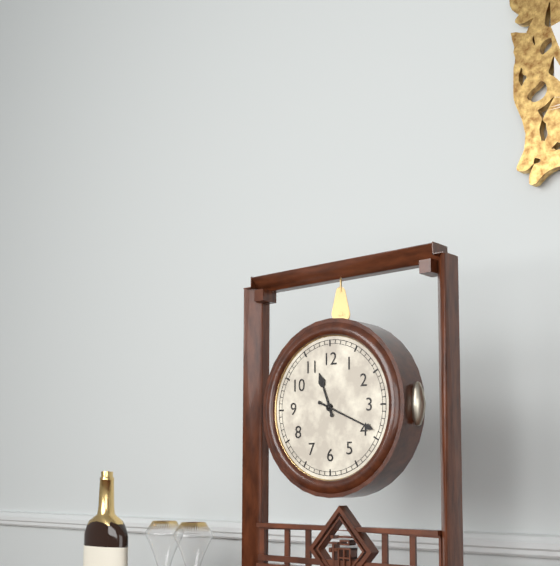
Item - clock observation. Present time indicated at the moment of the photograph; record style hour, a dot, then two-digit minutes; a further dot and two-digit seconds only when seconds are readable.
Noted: 11.19
